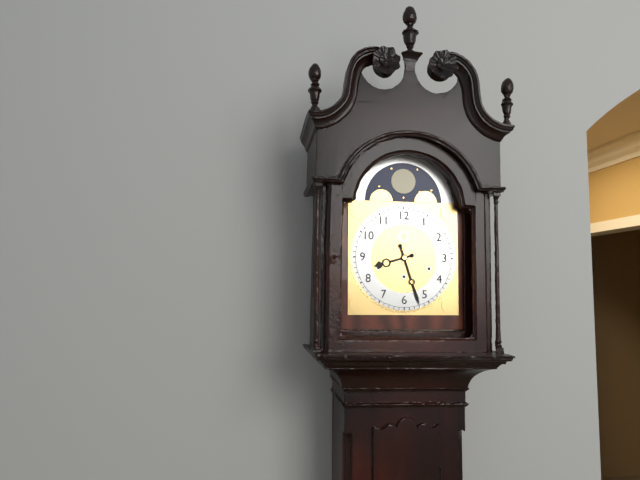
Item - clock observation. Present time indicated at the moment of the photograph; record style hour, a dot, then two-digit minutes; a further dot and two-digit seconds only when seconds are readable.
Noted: 8.27
